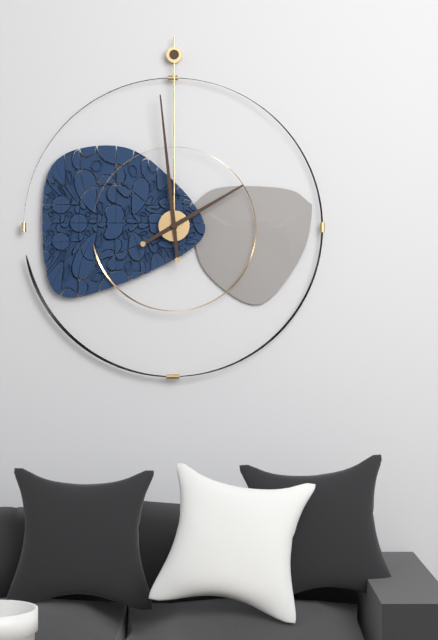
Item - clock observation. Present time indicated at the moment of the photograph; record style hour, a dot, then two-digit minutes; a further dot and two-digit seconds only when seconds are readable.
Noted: 1.59
